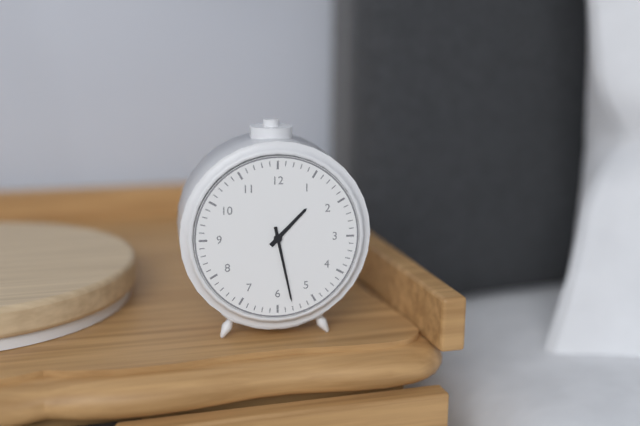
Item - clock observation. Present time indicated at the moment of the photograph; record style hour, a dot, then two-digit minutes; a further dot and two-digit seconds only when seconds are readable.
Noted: 1.28
